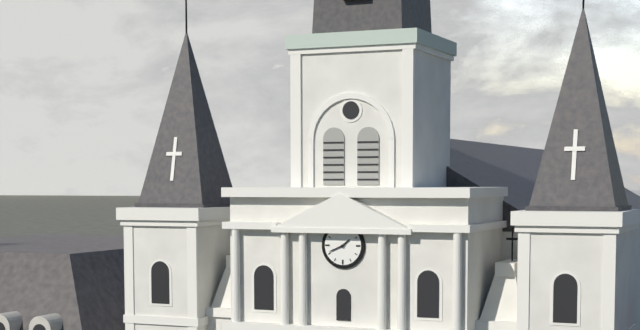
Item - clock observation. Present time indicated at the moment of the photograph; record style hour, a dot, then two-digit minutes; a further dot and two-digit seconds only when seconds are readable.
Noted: 1.41
